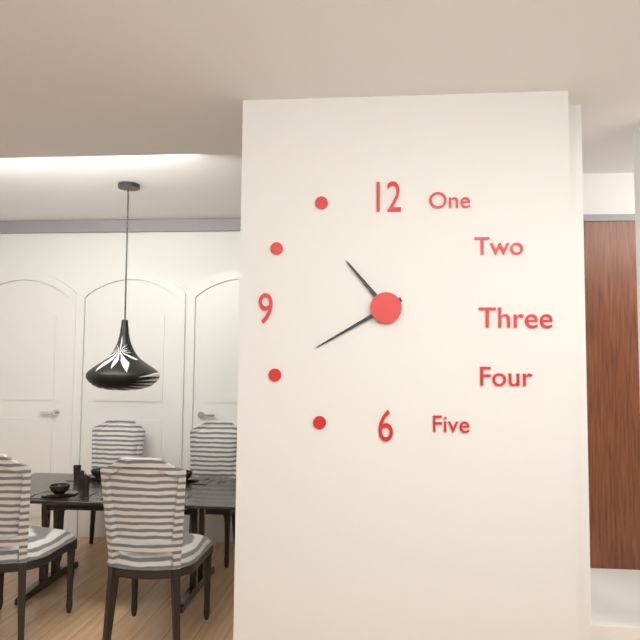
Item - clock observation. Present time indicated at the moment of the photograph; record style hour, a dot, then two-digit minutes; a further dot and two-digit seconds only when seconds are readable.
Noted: 10.40
